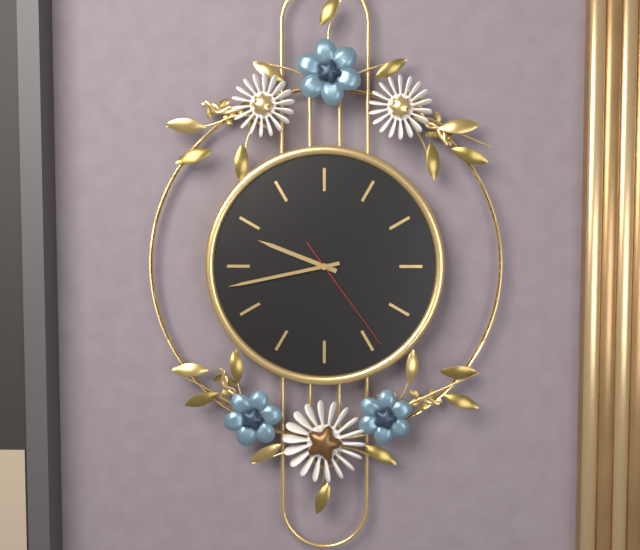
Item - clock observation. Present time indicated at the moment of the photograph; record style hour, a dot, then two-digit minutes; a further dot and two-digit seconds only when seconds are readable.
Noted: 9.43.24
